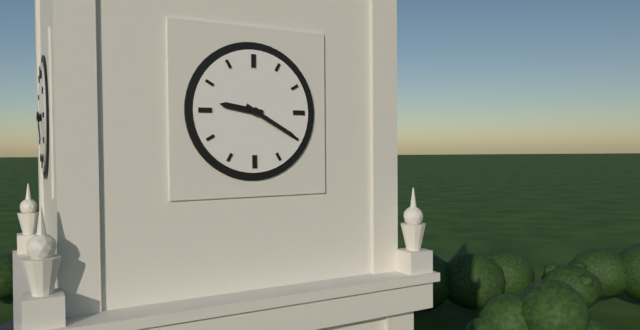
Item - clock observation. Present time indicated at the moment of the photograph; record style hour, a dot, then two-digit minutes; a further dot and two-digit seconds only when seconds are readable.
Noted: 9.20
